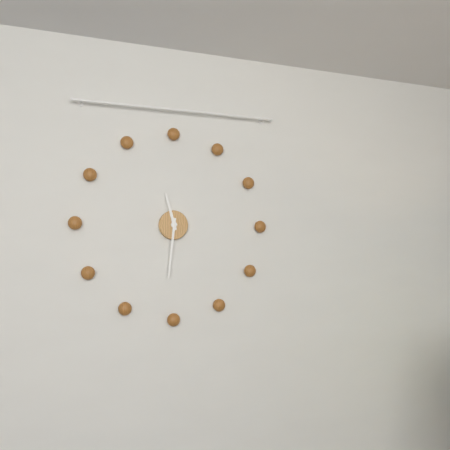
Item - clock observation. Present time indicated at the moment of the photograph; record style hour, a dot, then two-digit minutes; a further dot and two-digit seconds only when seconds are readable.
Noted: 11.31
